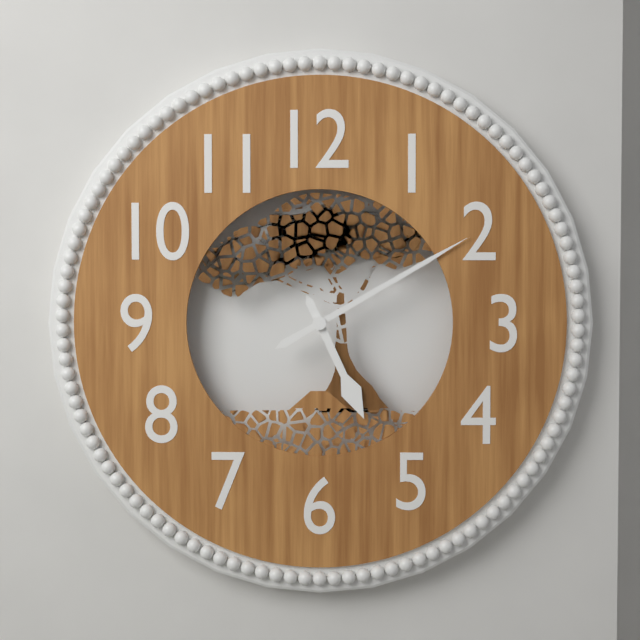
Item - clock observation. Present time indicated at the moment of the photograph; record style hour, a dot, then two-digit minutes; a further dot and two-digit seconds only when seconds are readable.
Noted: 5.10
